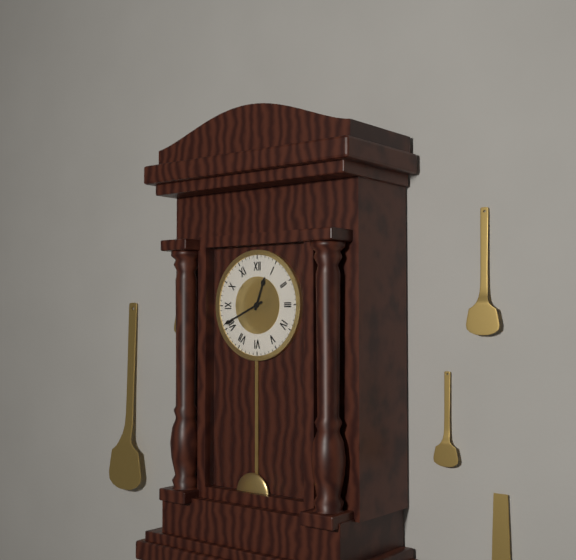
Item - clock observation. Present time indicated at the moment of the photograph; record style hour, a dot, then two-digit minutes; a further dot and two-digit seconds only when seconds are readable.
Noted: 12.41
